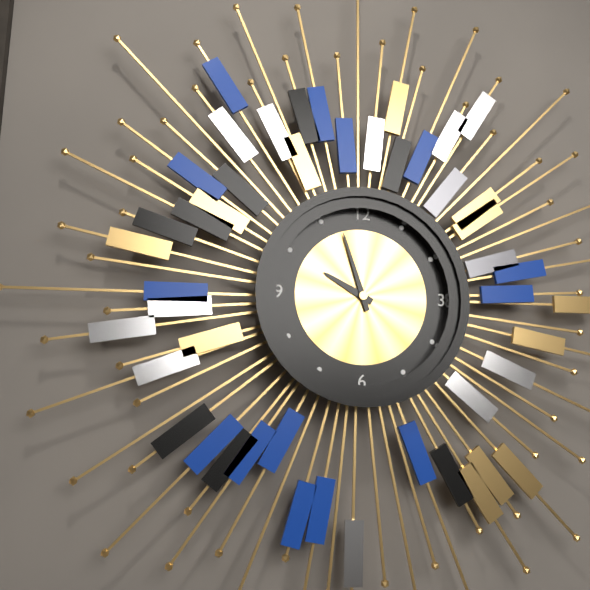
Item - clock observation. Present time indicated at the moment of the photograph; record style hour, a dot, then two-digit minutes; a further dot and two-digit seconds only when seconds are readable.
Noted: 9.57
